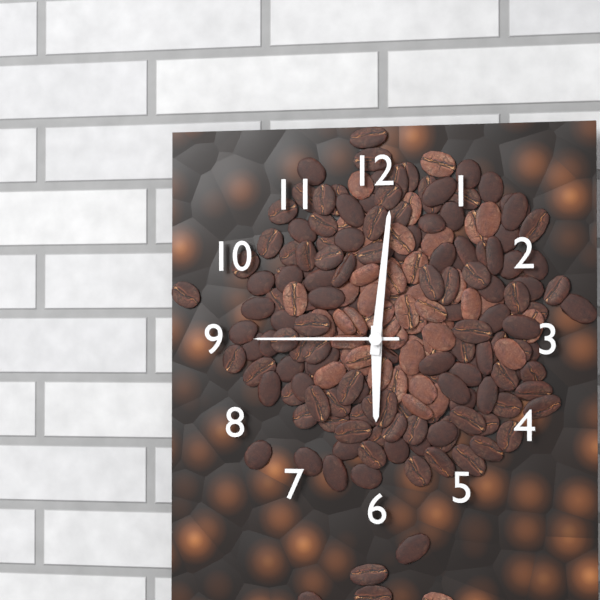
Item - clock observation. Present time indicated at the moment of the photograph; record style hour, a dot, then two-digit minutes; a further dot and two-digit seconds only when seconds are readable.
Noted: 6.01.45
